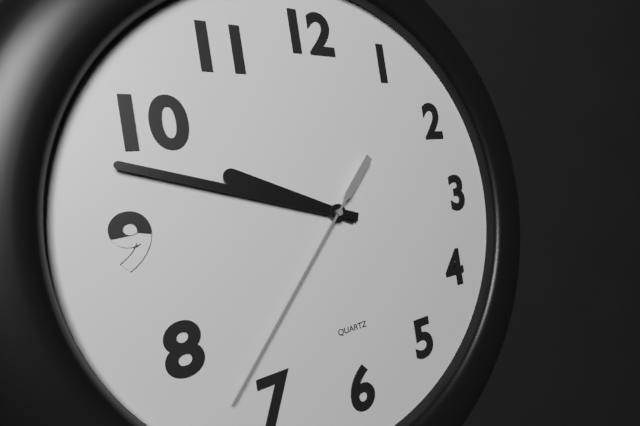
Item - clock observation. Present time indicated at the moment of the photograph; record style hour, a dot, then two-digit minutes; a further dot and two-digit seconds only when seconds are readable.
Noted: 9.48.37
